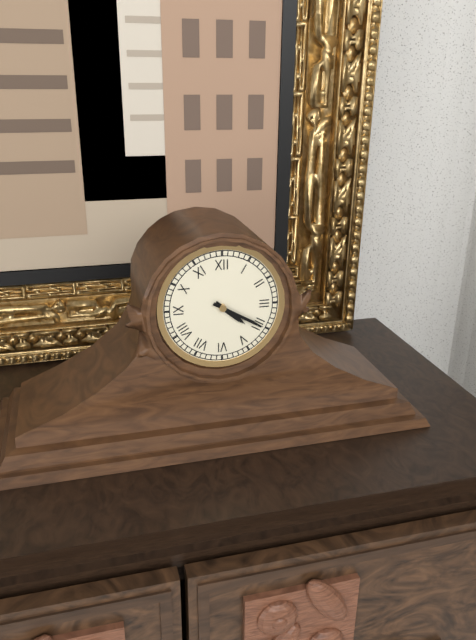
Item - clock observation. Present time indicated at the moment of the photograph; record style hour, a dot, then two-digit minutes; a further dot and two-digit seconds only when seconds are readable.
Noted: 4.20
